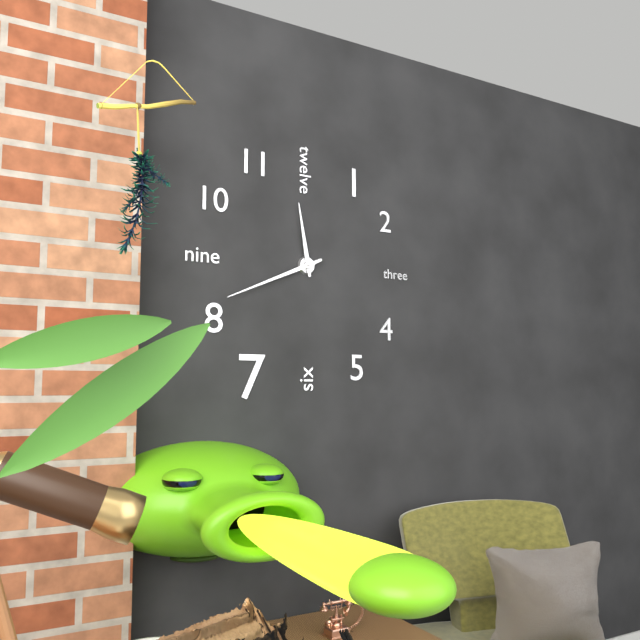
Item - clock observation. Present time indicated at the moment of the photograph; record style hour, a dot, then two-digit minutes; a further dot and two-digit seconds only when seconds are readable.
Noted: 11.41
